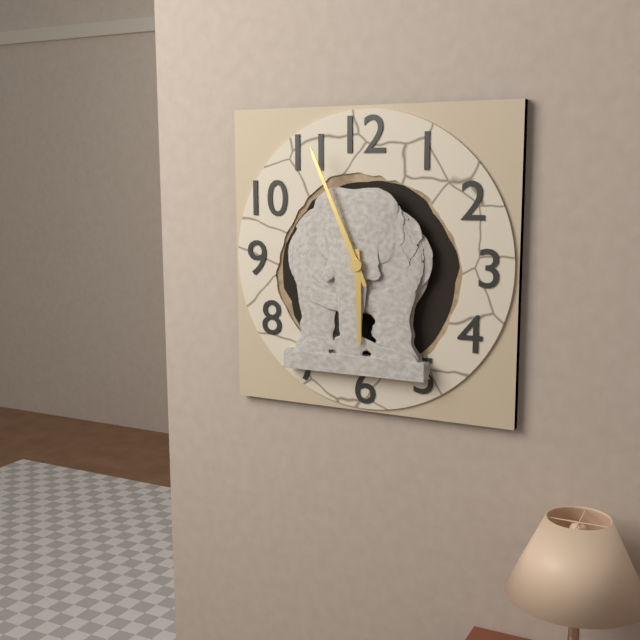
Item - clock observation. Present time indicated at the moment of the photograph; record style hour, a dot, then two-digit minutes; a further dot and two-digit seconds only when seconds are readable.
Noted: 5.56
